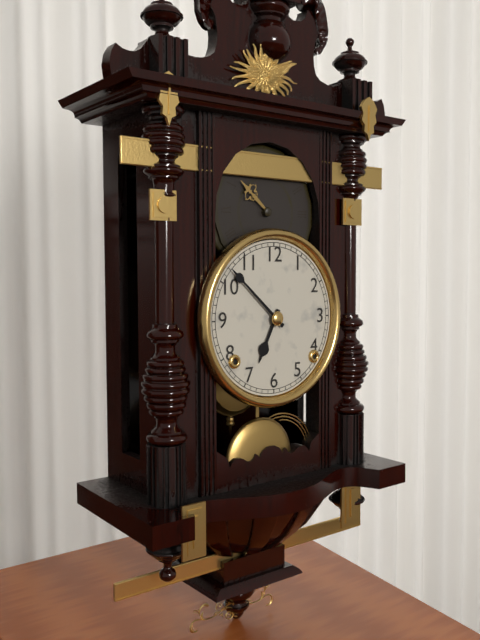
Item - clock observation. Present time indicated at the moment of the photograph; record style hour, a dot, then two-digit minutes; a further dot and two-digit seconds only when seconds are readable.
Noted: 6.52
